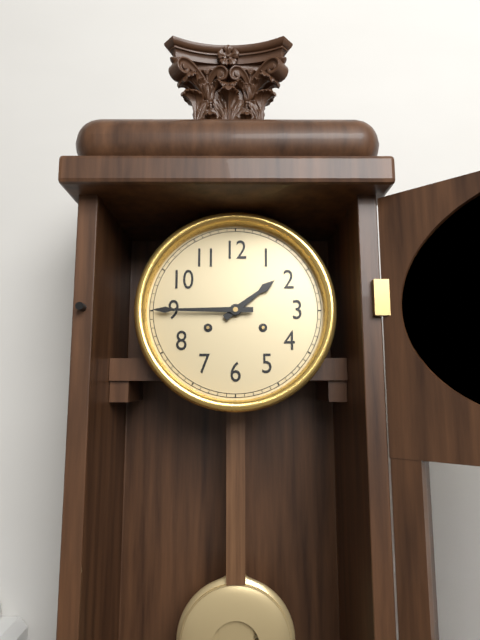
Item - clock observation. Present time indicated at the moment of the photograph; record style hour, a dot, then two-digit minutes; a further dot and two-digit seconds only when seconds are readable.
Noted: 1.45
